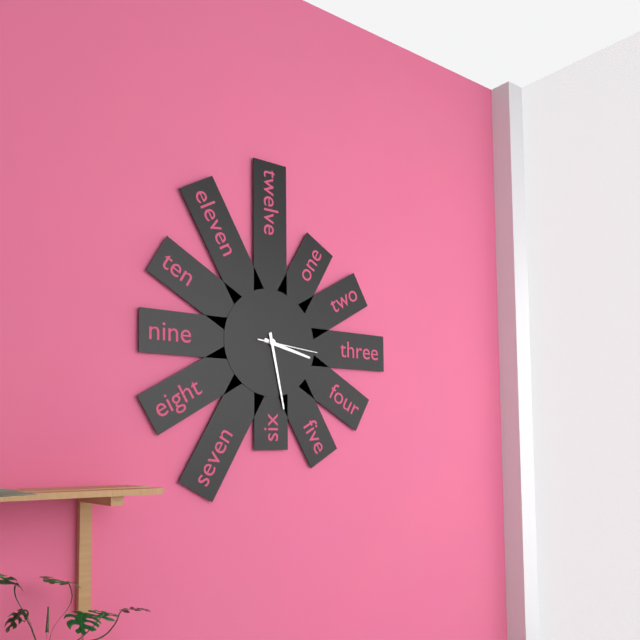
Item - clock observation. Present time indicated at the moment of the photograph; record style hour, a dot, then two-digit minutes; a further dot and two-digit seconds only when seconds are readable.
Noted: 3.28.16
